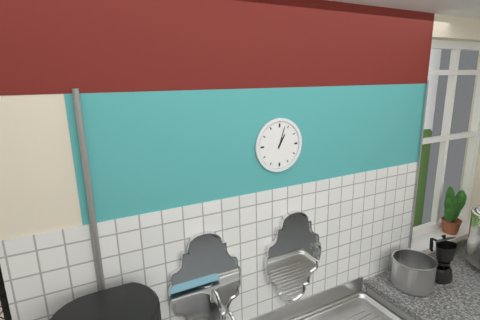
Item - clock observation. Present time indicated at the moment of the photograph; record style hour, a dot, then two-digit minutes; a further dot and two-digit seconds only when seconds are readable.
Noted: 1.03
